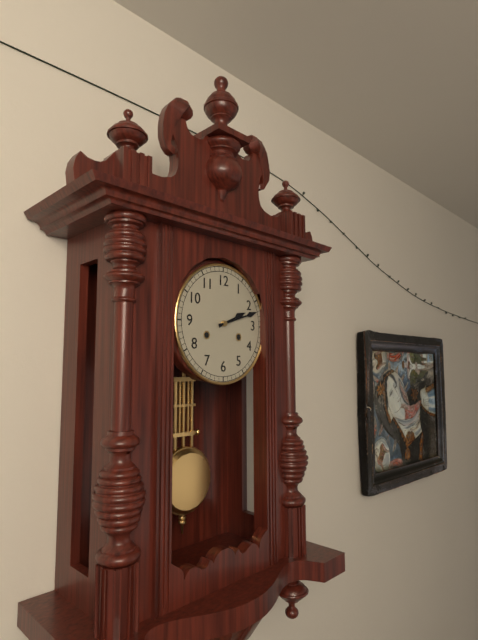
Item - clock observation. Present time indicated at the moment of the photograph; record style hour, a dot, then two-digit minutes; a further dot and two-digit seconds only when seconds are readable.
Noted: 2.12
